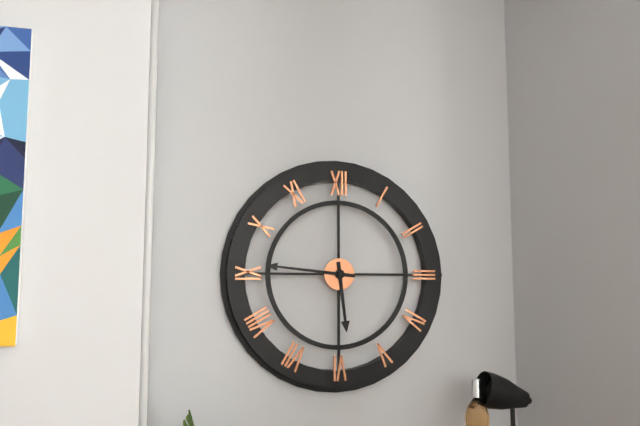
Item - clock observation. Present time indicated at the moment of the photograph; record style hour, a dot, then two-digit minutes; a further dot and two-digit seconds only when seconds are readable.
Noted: 5.46
